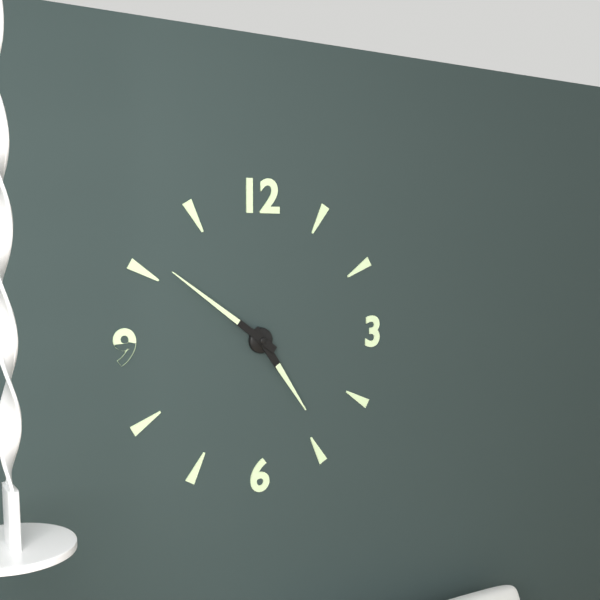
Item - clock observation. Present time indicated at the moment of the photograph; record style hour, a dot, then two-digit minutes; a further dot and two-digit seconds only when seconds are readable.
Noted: 4.51
